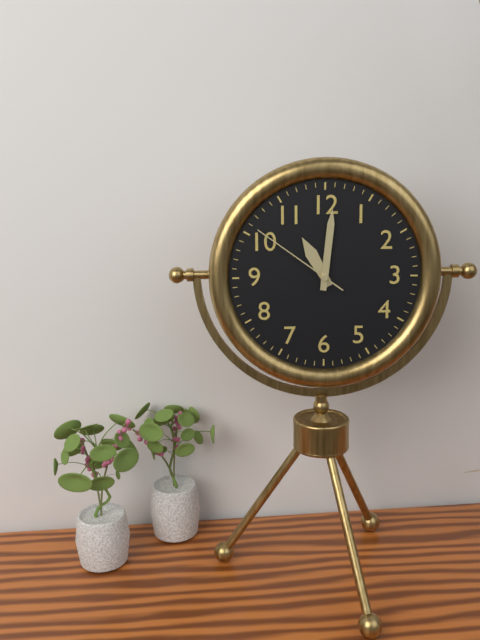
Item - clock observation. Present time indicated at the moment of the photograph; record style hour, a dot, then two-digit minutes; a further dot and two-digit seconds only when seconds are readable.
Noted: 11.01.51
